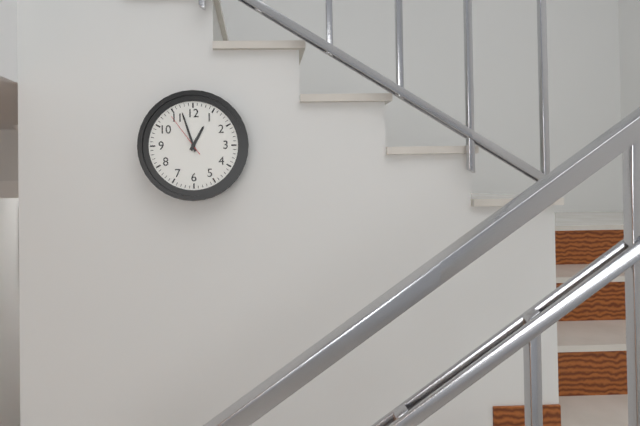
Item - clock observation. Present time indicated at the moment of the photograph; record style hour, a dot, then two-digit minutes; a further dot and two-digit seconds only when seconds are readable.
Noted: 12.57
